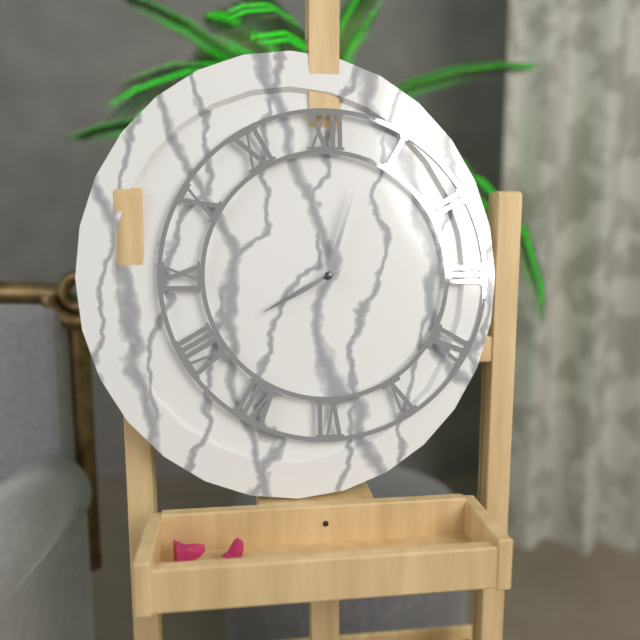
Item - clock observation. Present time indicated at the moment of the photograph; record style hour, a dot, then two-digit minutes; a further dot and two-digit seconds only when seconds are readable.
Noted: 8.03
